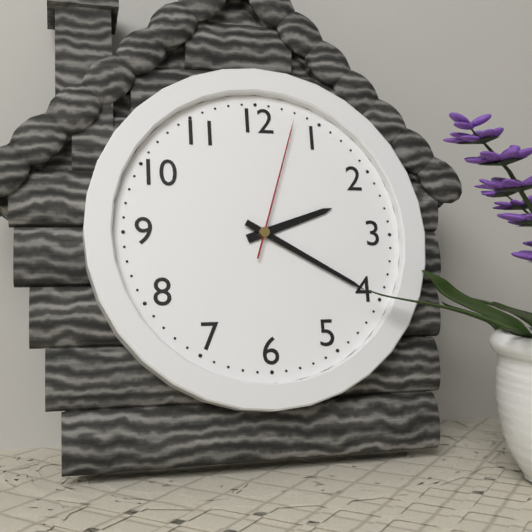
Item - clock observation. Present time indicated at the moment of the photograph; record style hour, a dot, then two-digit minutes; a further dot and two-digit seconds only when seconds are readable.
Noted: 2.20.03
